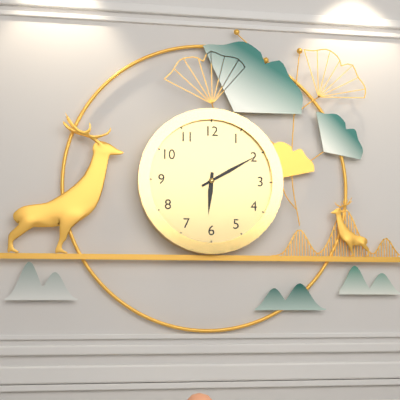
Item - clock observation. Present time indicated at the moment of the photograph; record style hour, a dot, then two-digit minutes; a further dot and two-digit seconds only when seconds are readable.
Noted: 6.10
